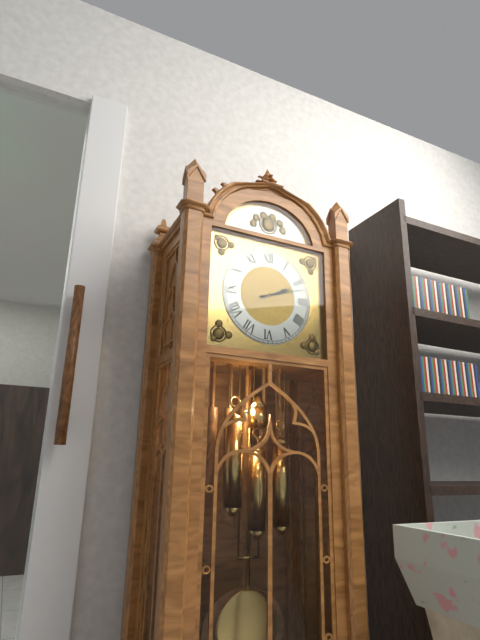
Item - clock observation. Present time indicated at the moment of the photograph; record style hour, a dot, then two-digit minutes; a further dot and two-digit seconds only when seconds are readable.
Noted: 2.12
